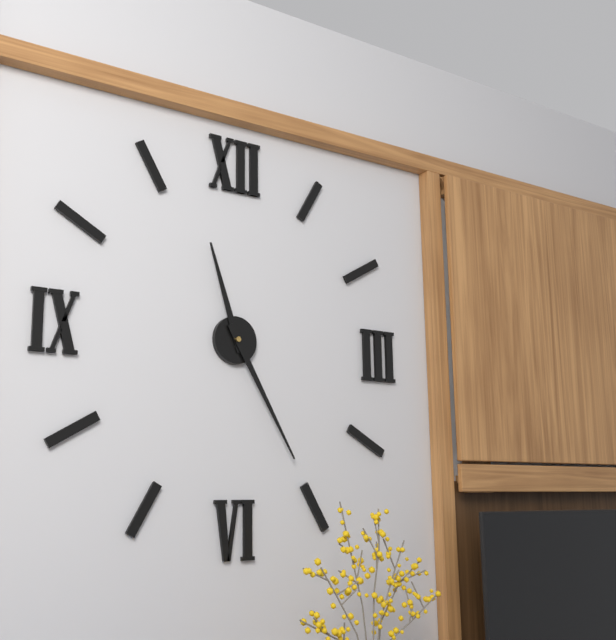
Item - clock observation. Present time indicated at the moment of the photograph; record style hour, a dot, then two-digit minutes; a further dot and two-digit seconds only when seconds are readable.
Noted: 11.25
